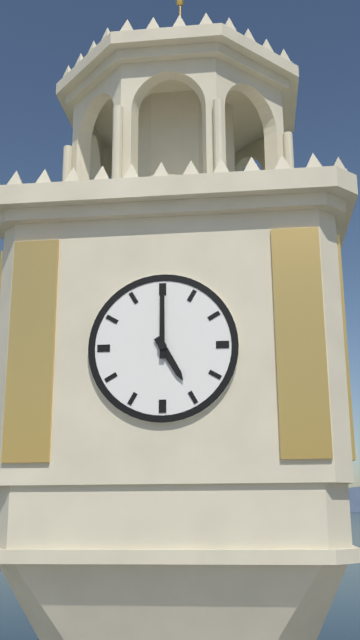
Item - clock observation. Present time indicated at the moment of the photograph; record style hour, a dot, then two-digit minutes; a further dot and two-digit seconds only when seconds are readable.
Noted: 5.00
